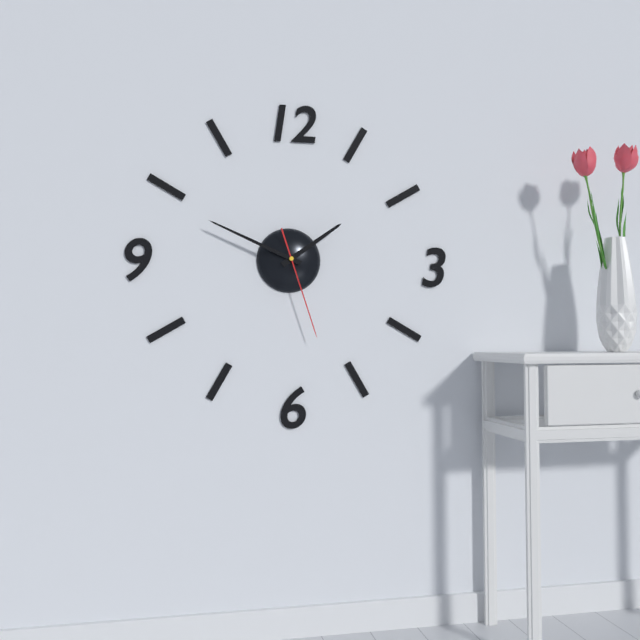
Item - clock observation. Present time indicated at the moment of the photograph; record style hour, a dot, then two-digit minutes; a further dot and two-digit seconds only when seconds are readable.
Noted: 1.49.27
